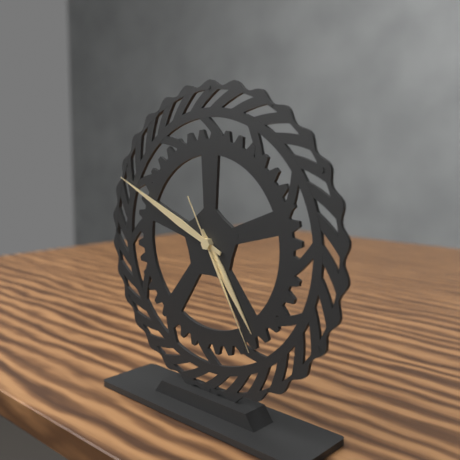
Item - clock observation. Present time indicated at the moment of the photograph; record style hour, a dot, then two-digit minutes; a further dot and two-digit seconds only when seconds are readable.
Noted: 4.49.25
